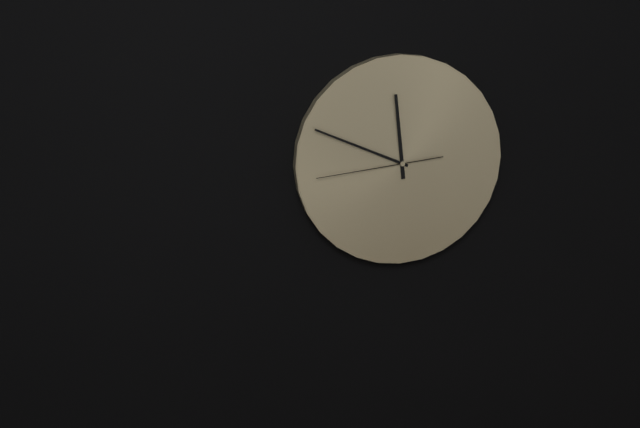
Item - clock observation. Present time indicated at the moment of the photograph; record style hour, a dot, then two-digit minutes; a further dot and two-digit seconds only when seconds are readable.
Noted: 11.49.44
